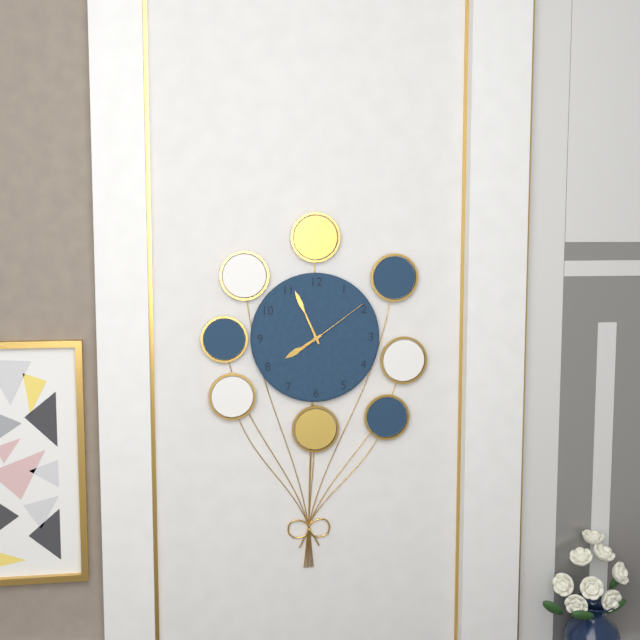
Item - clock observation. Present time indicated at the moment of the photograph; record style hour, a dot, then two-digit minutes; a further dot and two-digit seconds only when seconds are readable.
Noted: 7.56.09
